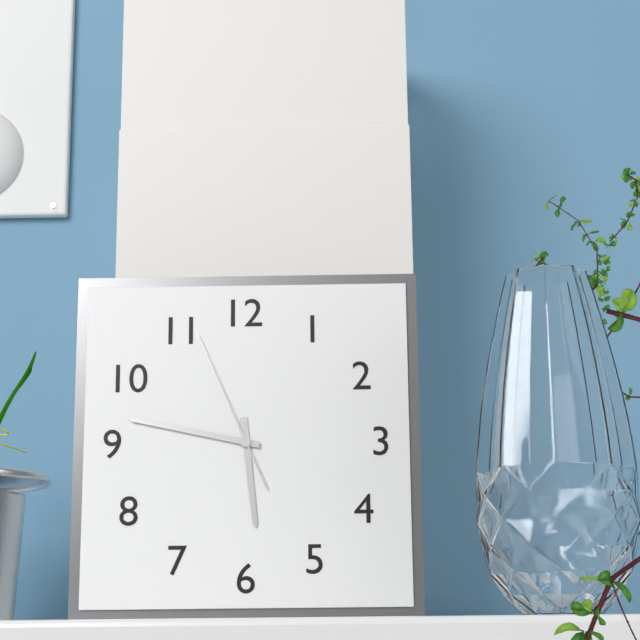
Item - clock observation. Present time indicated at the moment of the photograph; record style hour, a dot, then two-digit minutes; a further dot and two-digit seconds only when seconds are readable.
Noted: 5.47.56
